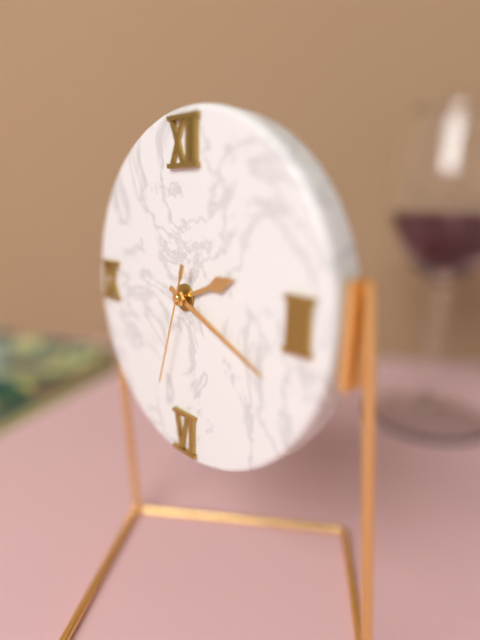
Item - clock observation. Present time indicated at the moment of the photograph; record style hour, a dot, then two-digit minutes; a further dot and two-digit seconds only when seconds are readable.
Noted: 2.19.33
